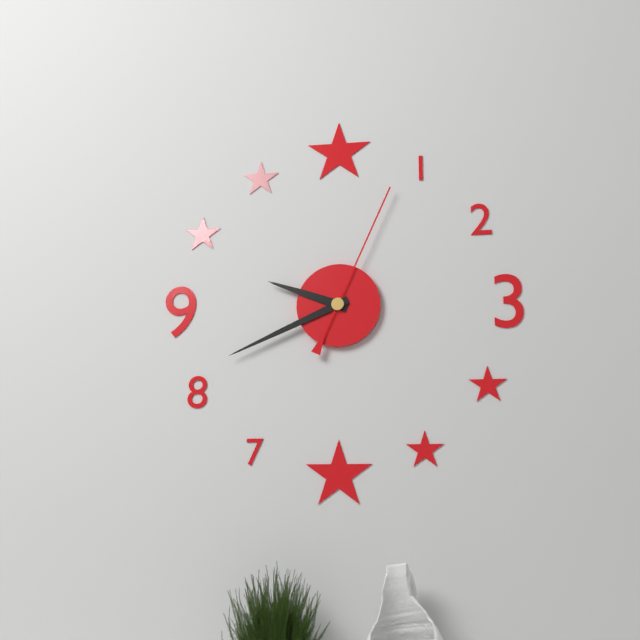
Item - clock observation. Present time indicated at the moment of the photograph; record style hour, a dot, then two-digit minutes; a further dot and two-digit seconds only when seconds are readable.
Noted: 9.41.04
